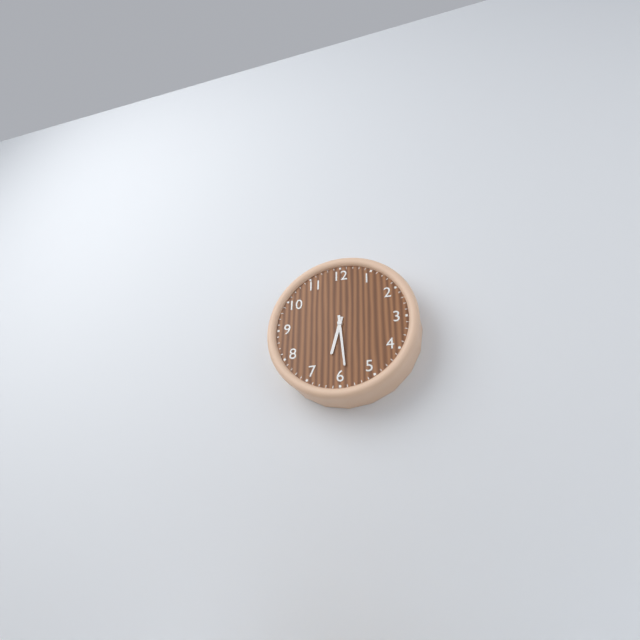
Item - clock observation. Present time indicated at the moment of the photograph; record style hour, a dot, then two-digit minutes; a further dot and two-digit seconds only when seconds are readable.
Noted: 6.29
